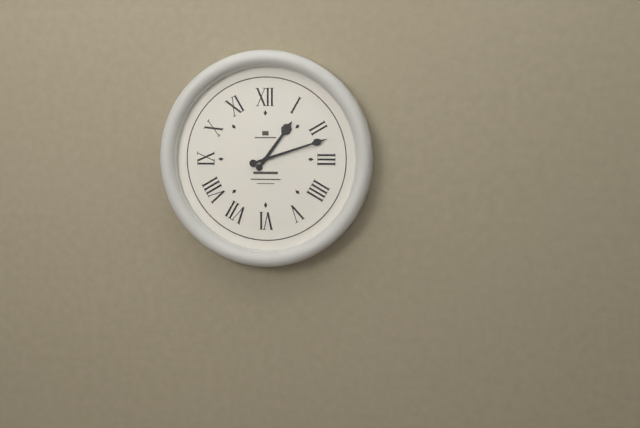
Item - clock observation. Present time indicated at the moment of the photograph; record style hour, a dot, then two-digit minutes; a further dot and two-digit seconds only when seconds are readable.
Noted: 1.12
